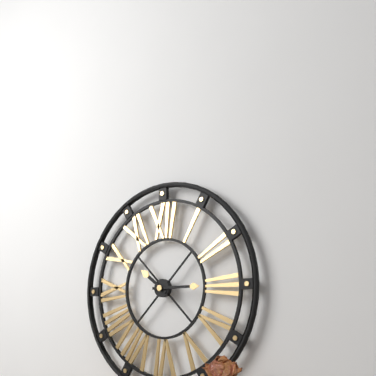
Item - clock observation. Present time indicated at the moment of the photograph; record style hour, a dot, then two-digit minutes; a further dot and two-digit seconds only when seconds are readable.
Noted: 10.15
